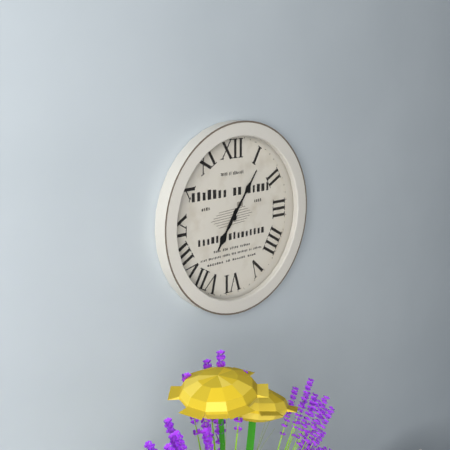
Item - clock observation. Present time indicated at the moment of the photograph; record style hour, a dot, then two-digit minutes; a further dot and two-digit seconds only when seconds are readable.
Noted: 7.06
